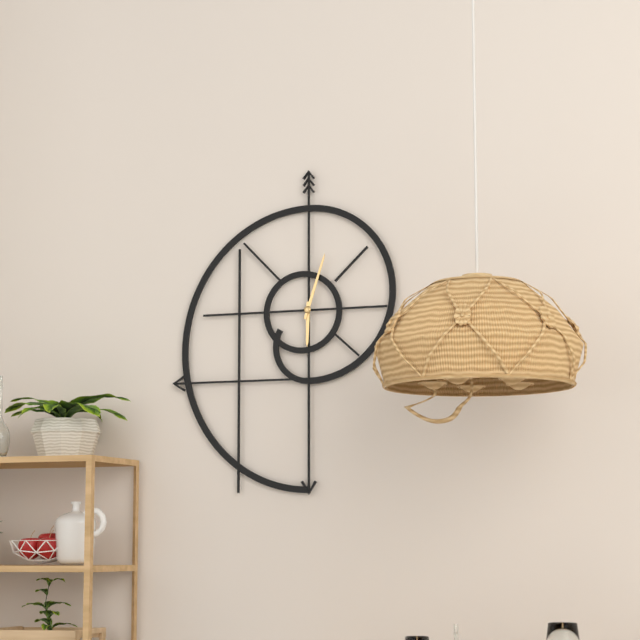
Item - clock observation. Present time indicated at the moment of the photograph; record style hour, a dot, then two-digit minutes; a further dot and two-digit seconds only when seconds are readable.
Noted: 6.03
